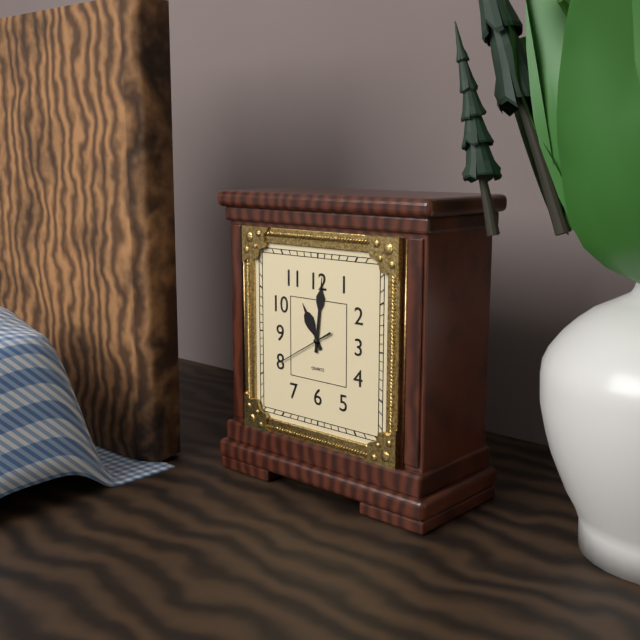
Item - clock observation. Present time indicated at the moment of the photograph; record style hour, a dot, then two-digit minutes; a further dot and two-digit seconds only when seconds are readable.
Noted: 11.01.40
